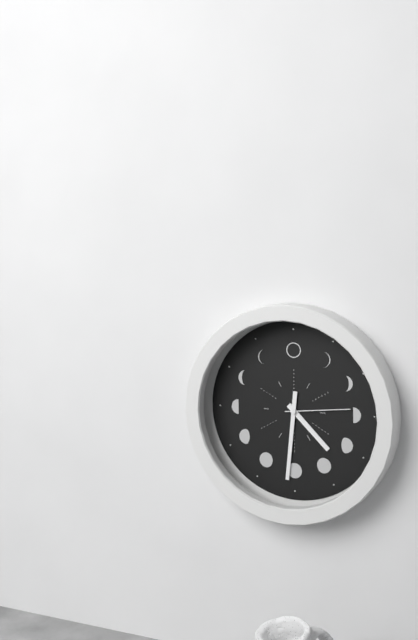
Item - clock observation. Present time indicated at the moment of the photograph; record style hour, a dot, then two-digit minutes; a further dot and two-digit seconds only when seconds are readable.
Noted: 4.31.14
